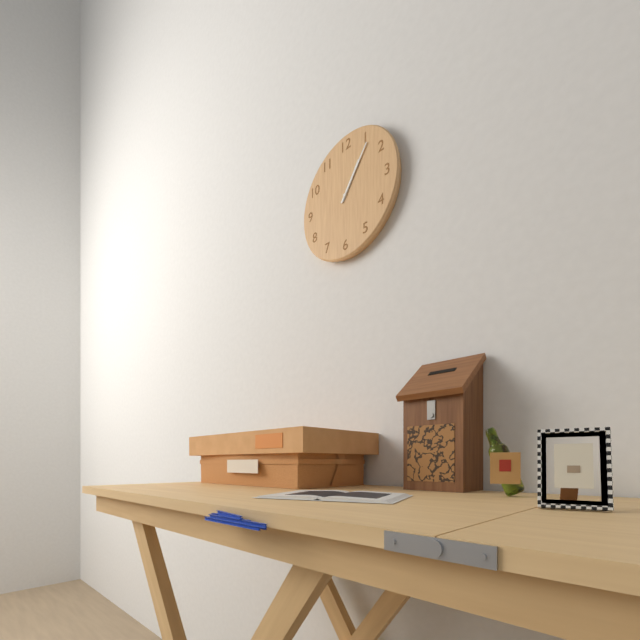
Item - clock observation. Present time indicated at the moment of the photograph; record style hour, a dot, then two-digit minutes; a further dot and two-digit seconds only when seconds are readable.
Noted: 1.06
